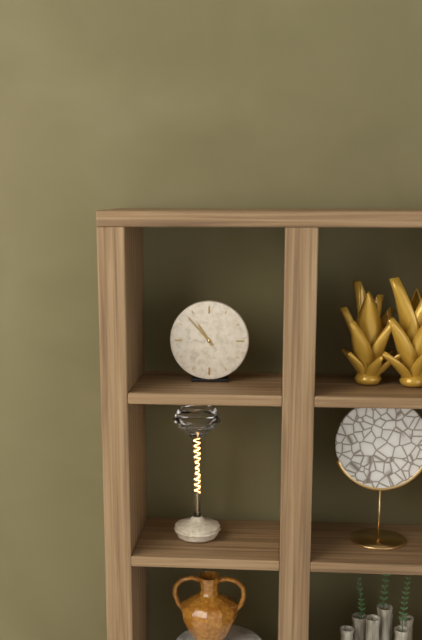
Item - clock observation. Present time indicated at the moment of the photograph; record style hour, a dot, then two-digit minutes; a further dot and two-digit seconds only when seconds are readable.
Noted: 10.53
